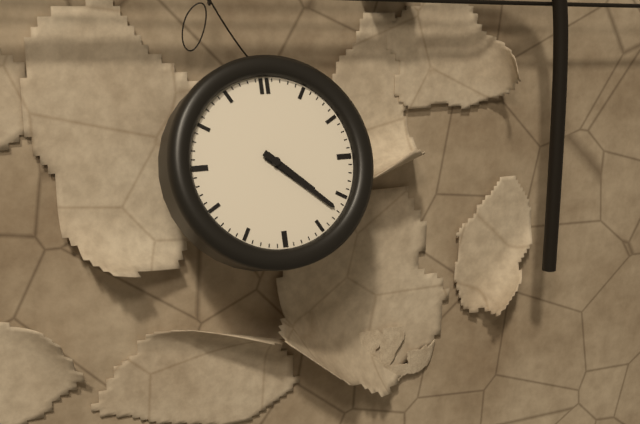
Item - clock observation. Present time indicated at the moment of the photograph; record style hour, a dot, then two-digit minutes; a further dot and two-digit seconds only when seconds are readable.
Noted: 4.22
